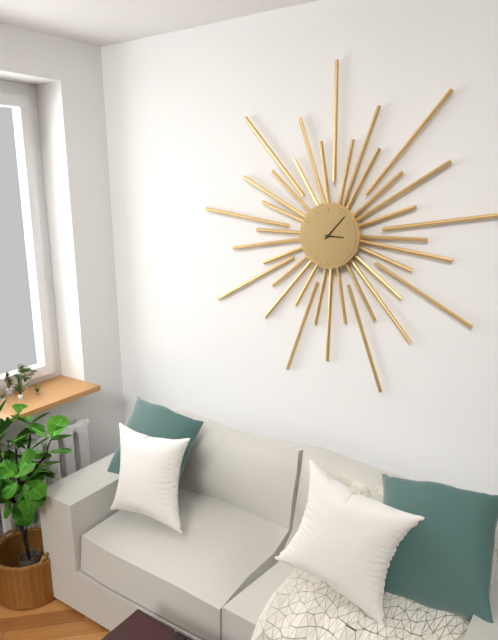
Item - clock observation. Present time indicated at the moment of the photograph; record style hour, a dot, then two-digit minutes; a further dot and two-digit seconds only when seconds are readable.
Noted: 3.07
